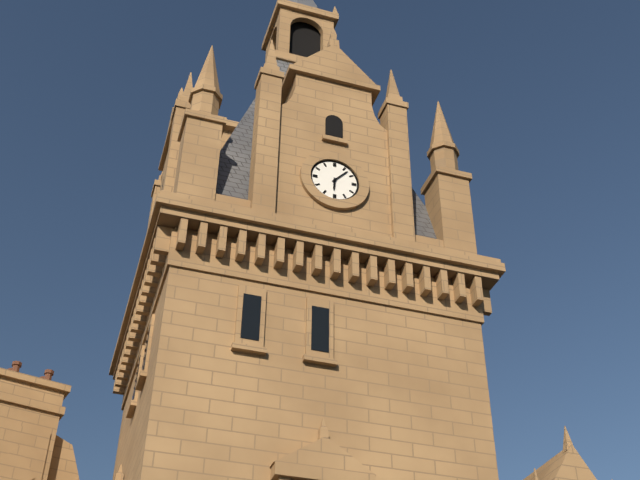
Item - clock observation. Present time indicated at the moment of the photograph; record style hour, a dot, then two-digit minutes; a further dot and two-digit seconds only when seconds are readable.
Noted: 6.07
